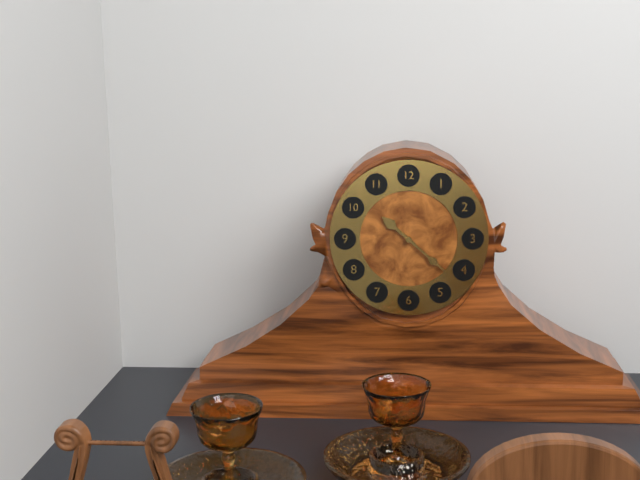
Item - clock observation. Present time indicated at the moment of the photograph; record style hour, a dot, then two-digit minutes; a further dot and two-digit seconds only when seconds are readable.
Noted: 10.22
